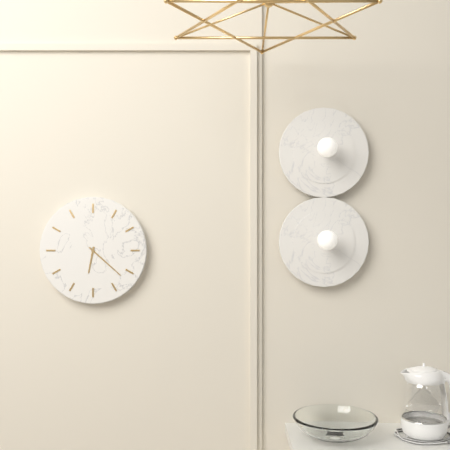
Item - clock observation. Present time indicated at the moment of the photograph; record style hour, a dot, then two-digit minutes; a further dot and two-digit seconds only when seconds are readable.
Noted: 6.22
